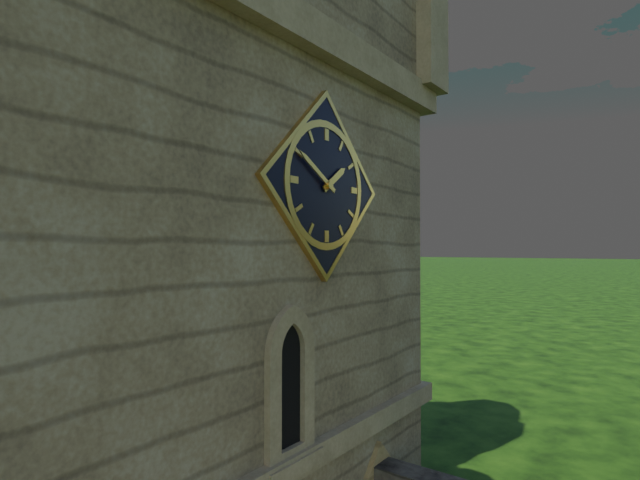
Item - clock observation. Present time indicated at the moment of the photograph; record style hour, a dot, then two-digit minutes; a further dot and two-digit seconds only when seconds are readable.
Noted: 1.50
